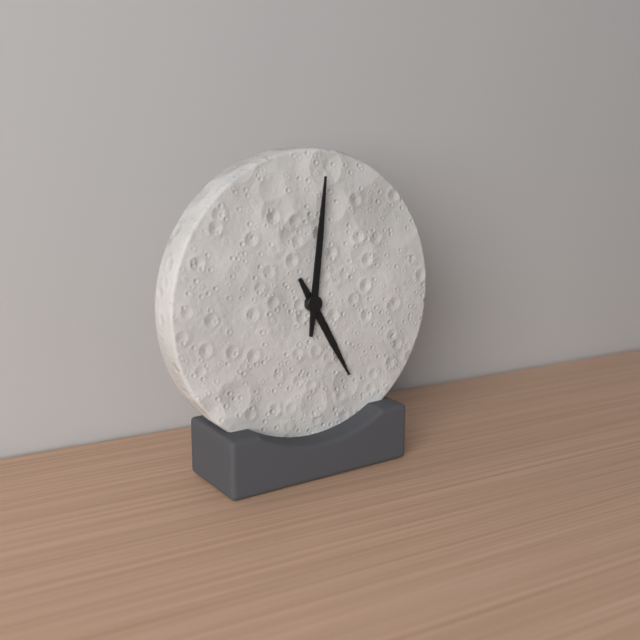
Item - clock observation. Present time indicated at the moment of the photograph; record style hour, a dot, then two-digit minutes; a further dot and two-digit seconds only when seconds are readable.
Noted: 5.01
